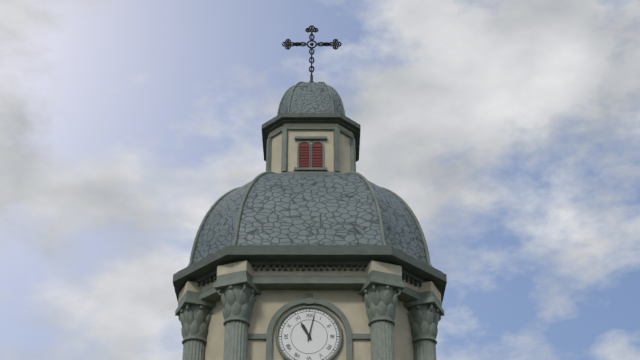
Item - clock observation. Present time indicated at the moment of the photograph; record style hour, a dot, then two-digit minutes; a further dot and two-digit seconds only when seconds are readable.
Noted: 11.02
